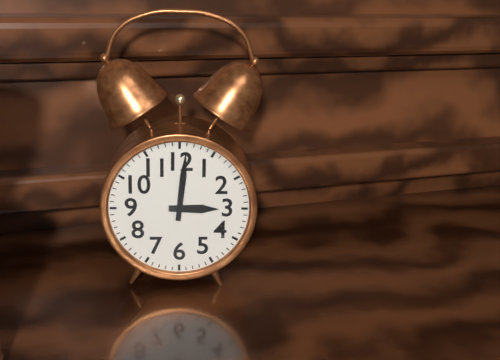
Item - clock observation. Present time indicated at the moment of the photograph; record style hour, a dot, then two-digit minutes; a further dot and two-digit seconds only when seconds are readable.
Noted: 3.01
